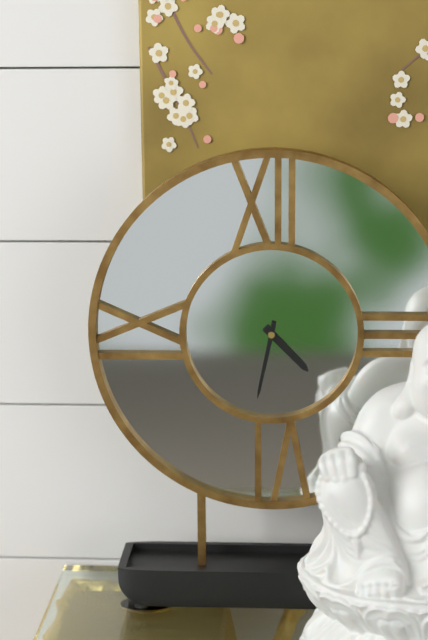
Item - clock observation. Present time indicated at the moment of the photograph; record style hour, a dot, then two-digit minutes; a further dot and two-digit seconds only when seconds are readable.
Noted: 4.32
